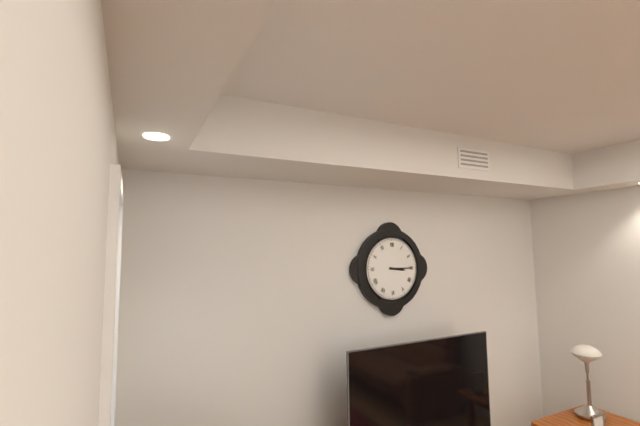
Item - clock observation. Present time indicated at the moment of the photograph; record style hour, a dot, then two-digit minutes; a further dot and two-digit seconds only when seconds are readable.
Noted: 3.15
